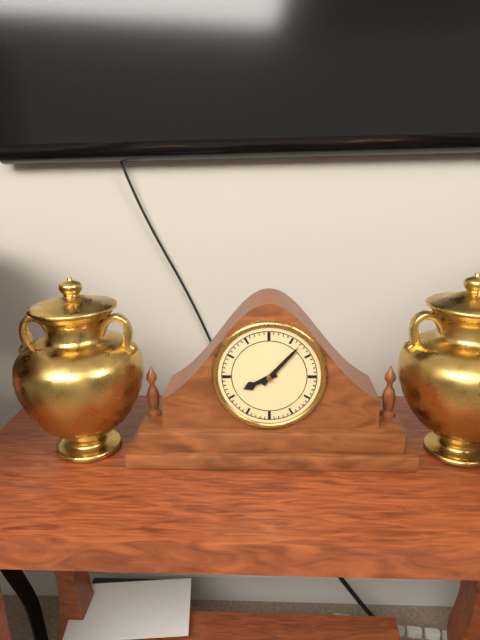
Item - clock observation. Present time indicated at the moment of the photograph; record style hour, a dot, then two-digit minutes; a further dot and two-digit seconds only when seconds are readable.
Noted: 8.07
